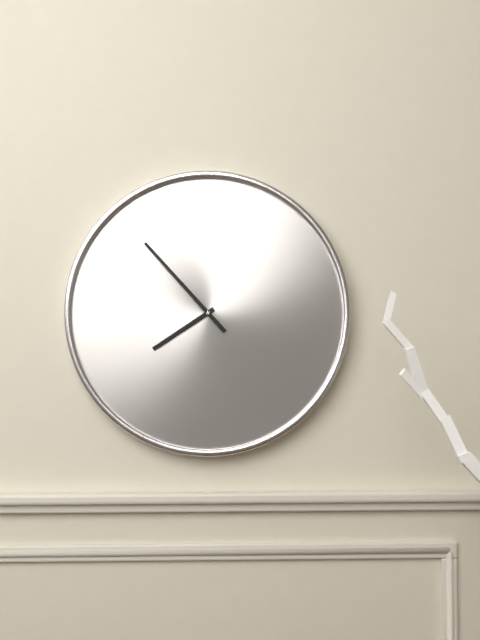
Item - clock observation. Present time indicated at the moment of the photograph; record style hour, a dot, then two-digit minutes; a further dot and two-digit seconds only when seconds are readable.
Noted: 7.53
